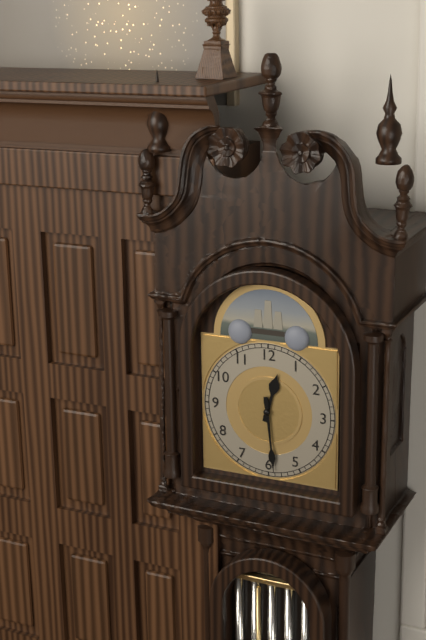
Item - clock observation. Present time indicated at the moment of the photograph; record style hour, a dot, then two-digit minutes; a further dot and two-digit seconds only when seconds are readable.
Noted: 12.29
